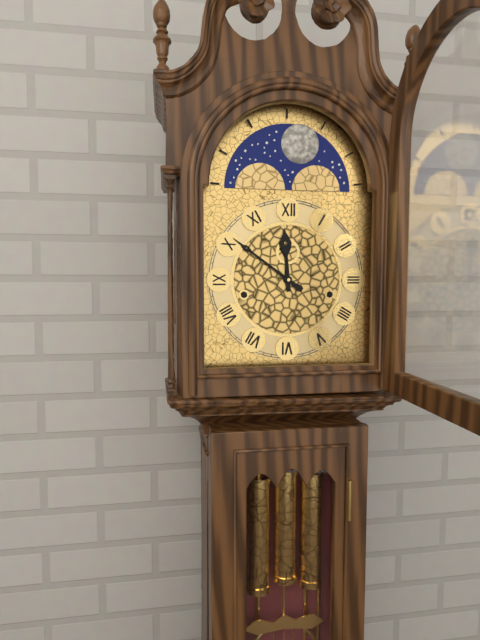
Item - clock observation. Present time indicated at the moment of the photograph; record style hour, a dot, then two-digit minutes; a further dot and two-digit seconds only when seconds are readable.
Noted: 11.51
